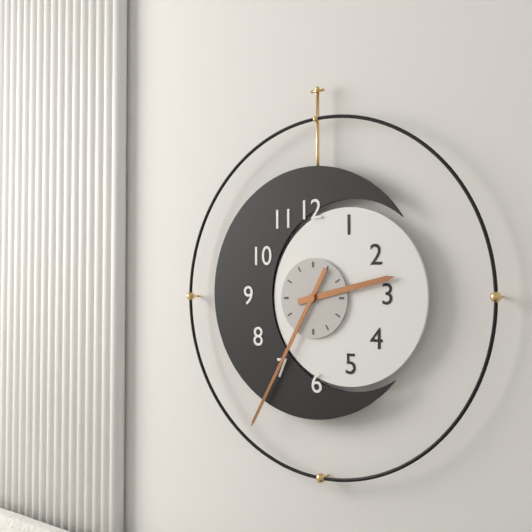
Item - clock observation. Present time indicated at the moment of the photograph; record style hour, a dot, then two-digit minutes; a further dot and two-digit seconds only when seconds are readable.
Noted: 2.35
